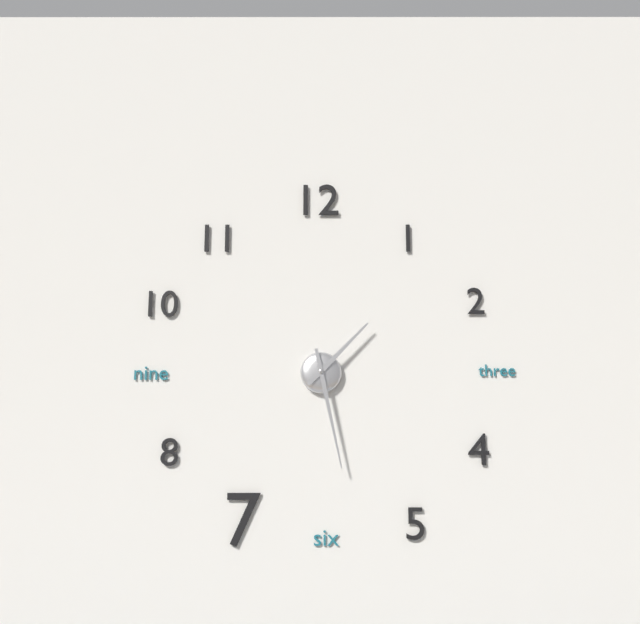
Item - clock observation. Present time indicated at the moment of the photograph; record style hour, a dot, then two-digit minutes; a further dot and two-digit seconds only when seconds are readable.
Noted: 1.28
